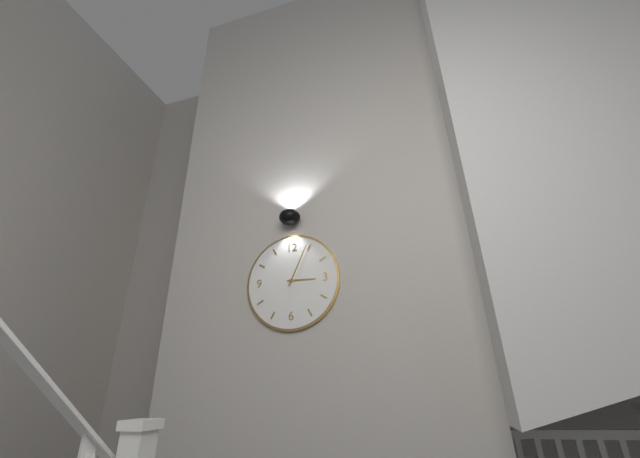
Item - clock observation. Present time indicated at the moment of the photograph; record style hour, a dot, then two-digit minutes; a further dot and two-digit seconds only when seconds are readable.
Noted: 3.04
